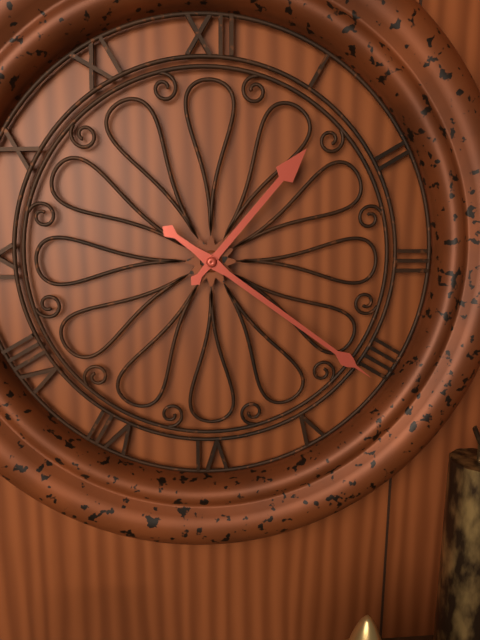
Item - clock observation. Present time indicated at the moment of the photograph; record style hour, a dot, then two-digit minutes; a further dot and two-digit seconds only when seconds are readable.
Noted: 1.21
